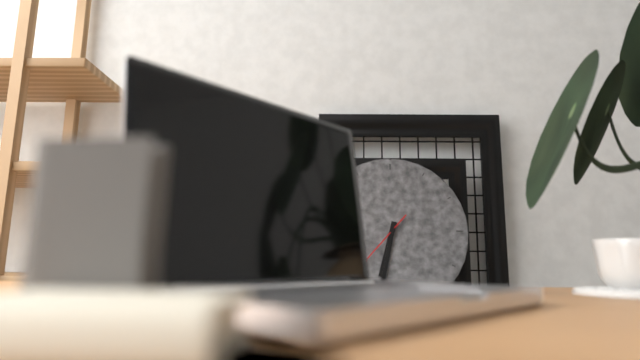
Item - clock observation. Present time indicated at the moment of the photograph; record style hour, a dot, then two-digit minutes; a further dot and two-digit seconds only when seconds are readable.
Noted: 6.32
